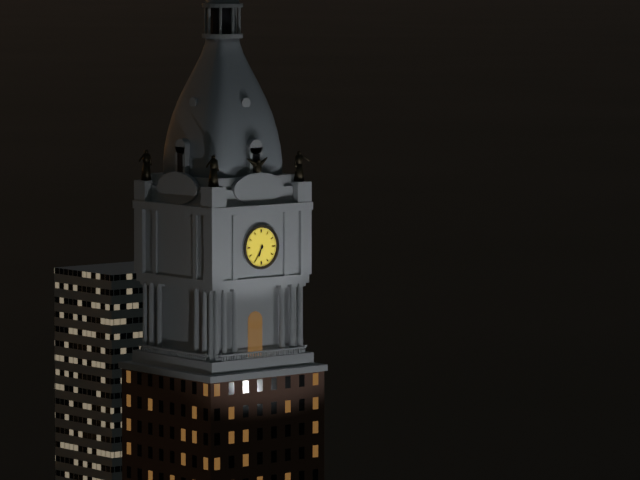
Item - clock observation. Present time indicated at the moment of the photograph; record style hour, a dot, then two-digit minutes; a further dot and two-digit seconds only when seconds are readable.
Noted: 6.35
